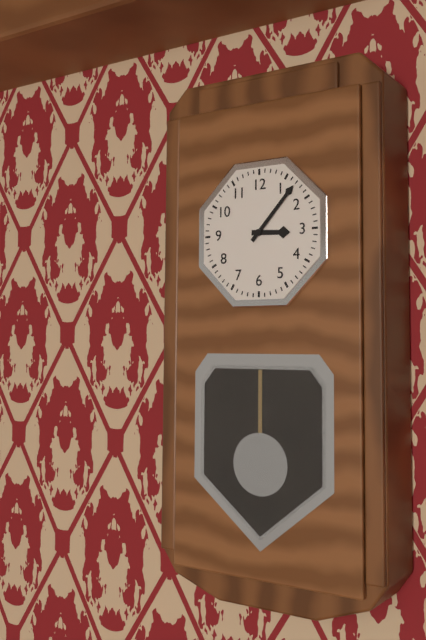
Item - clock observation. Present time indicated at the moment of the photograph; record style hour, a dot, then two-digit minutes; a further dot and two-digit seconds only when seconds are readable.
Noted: 3.07
